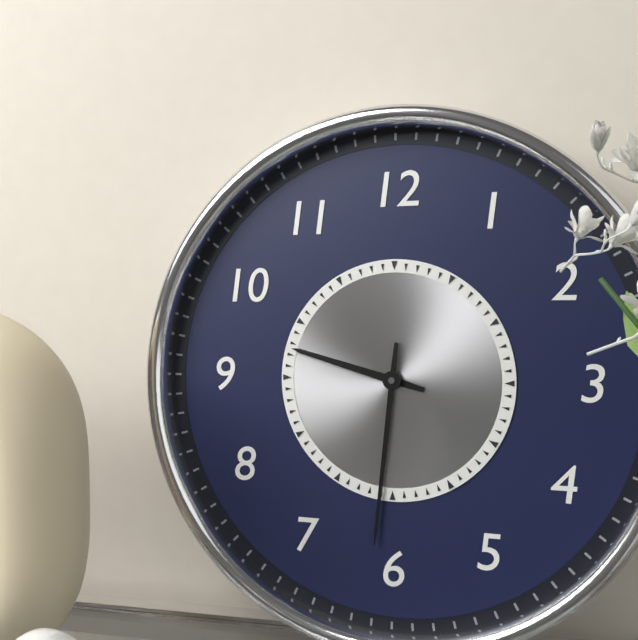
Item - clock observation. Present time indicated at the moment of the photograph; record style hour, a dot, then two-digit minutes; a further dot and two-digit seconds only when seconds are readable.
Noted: 9.31
